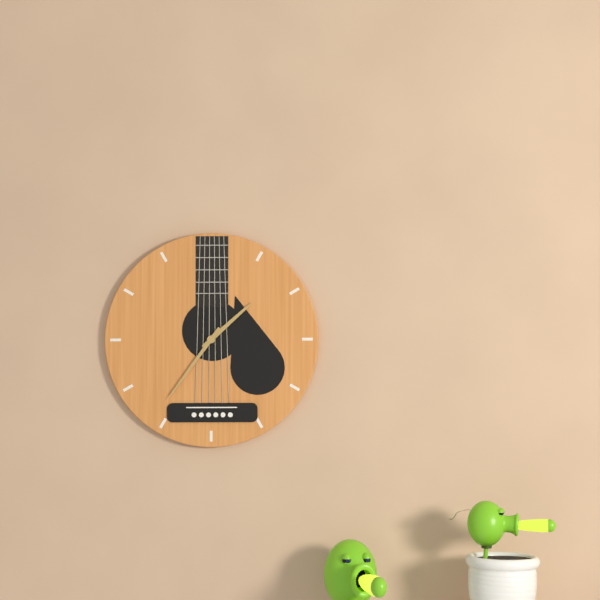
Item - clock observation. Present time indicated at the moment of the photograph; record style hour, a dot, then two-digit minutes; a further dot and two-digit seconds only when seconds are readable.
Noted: 1.36
